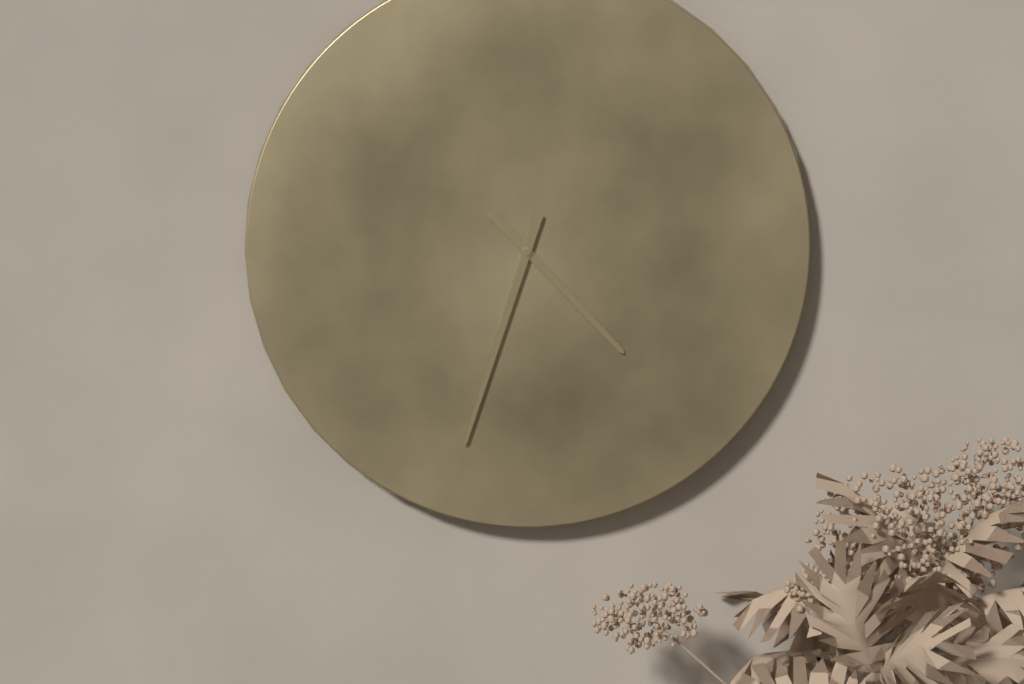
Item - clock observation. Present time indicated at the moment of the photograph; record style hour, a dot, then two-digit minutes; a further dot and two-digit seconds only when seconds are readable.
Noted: 4.33
